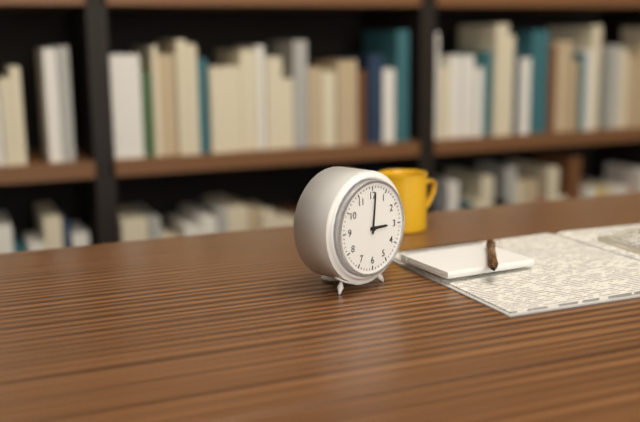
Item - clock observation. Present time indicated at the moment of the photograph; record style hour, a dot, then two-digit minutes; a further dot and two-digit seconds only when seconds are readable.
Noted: 3.01
